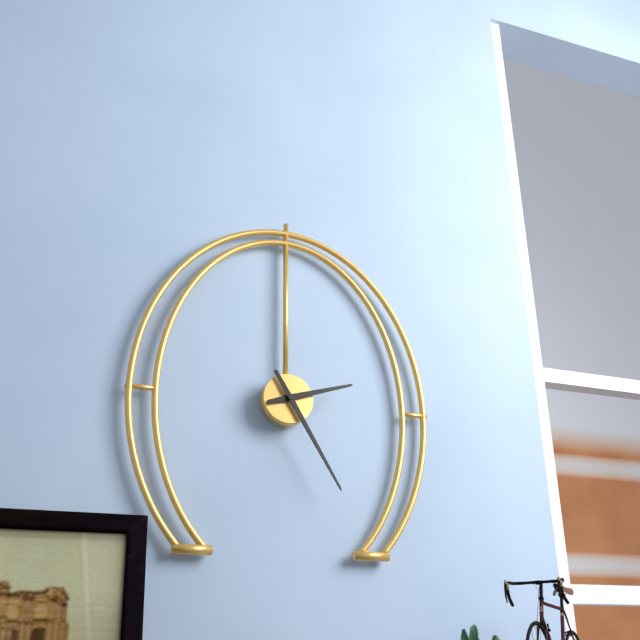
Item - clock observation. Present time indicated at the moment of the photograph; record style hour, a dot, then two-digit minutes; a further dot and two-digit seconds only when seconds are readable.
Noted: 2.25
